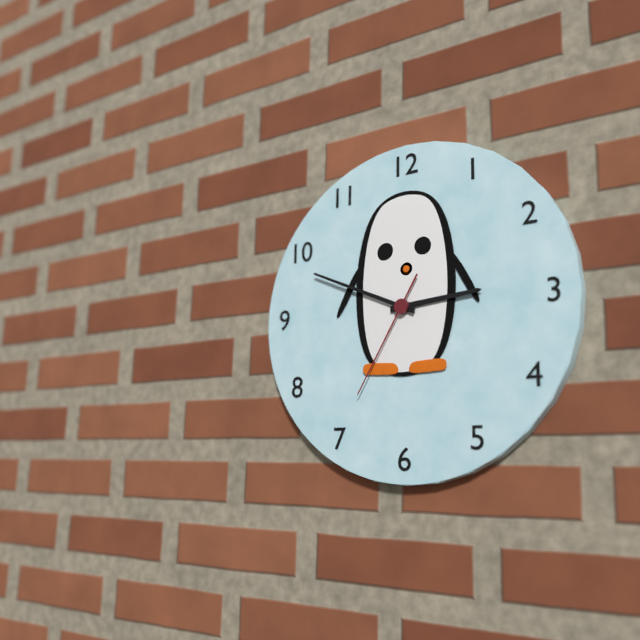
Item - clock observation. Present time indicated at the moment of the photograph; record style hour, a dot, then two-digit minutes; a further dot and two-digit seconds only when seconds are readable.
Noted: 2.49.35
